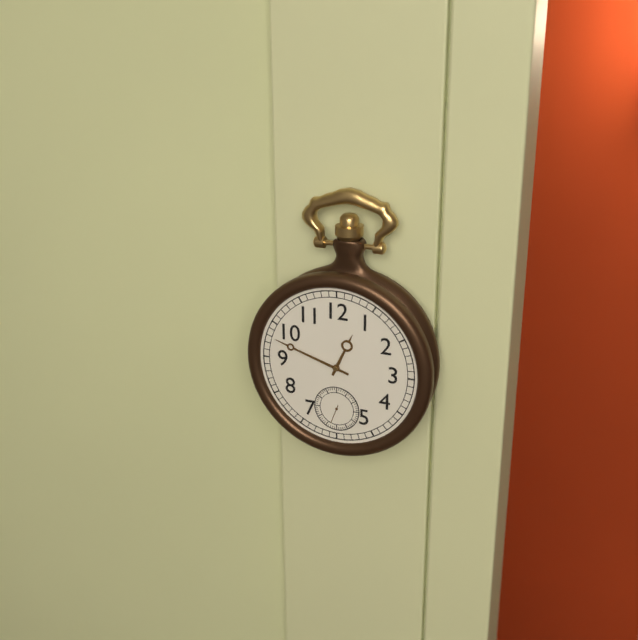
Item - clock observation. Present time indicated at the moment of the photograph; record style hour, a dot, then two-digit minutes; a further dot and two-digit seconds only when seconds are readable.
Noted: 12.48
